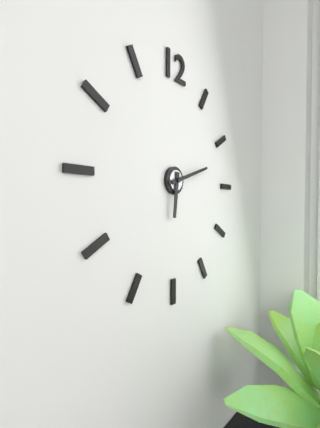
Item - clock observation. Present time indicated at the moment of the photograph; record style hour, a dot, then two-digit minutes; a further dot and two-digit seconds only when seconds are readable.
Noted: 6.12
